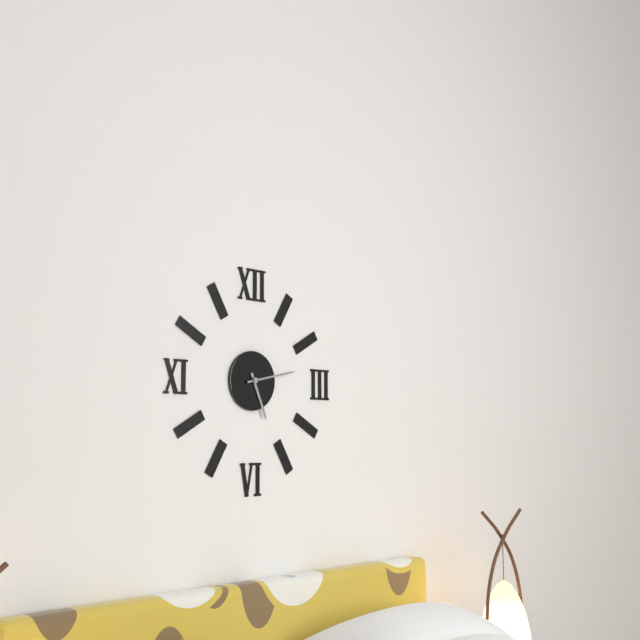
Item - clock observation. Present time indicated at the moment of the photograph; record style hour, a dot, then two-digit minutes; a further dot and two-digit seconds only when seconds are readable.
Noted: 5.13
